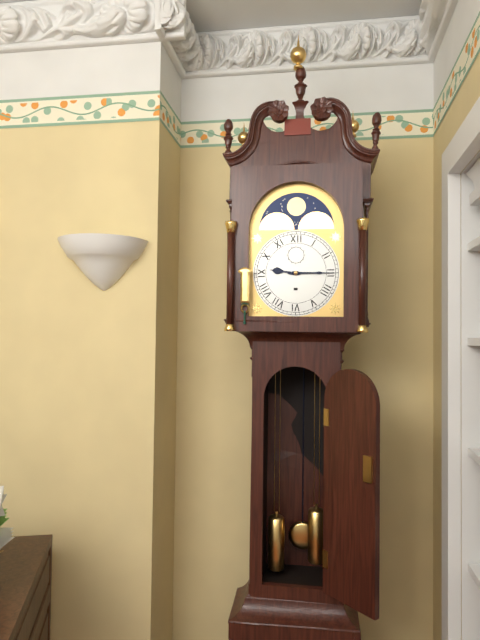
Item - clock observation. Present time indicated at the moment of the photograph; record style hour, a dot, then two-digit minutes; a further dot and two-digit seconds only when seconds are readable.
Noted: 9.15
